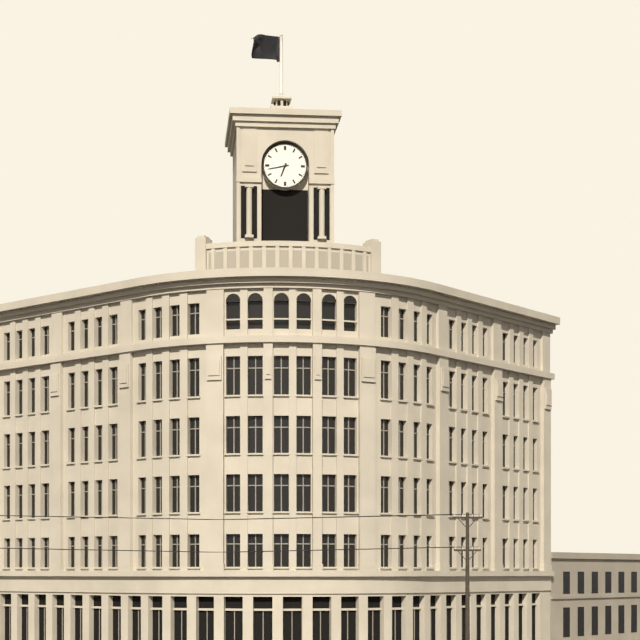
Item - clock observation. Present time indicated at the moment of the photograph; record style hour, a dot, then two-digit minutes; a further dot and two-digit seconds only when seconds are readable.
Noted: 6.43
